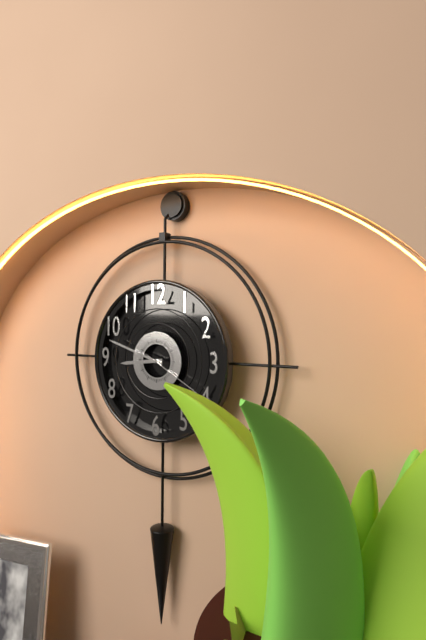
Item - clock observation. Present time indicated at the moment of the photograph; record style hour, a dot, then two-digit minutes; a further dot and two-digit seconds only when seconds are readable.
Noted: 8.48.20
